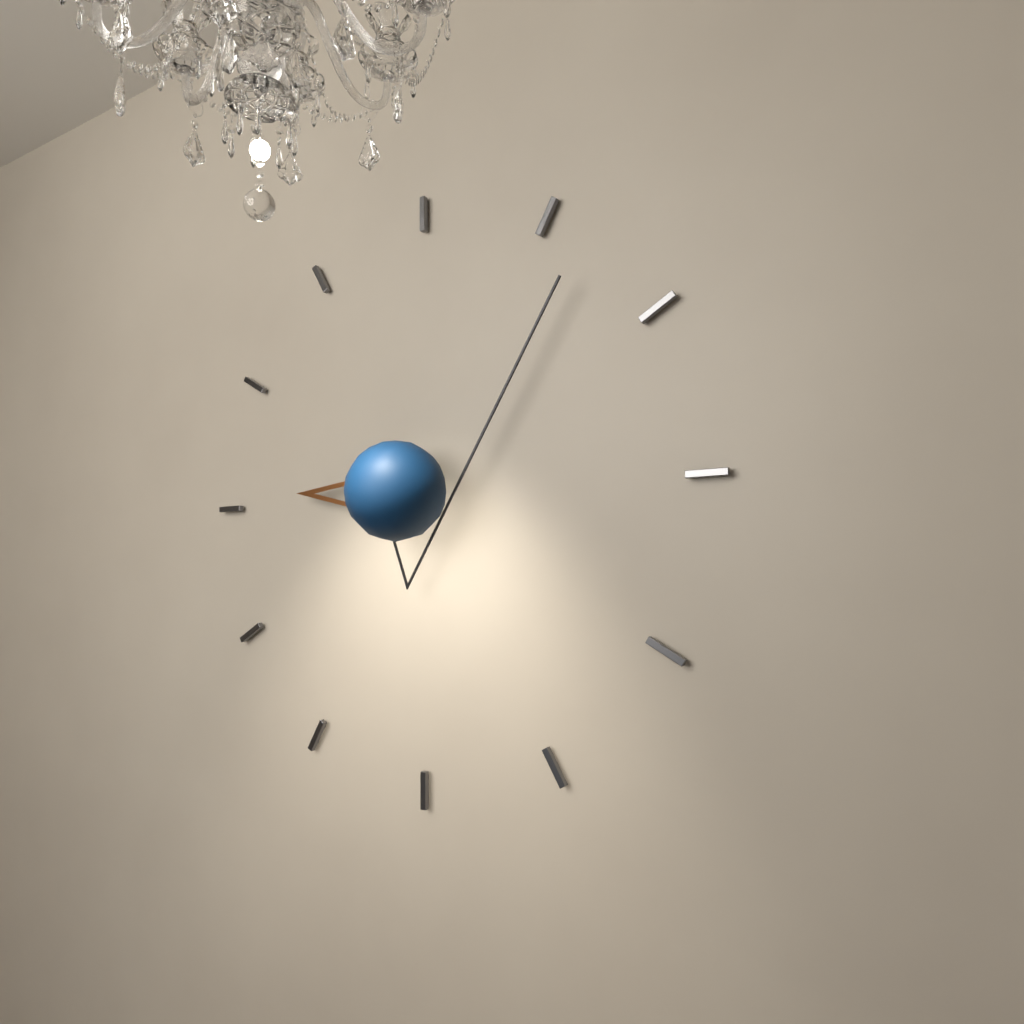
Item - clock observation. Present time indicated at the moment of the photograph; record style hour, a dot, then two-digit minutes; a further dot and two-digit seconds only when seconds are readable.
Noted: 9.07
